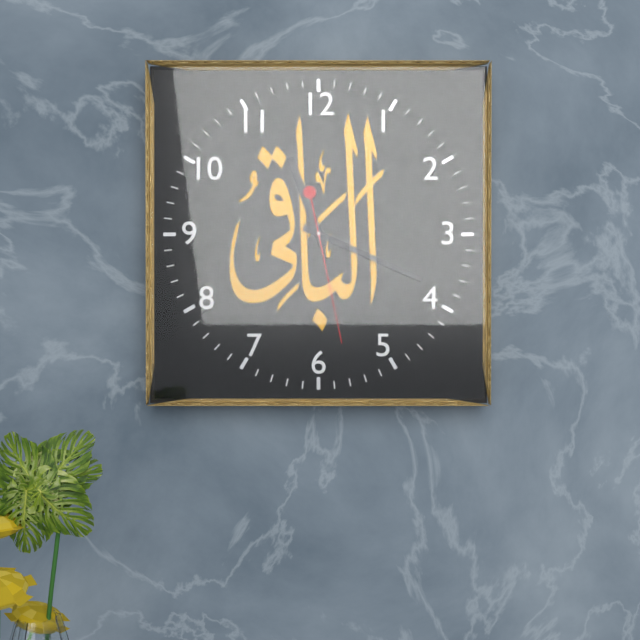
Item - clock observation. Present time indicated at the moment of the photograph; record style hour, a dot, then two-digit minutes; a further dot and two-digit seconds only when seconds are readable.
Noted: 11.19.28
